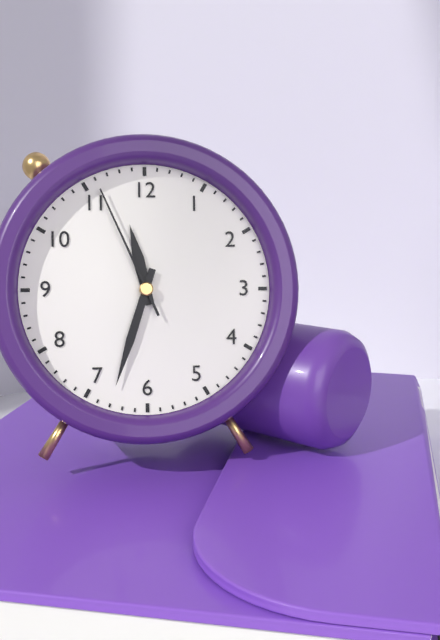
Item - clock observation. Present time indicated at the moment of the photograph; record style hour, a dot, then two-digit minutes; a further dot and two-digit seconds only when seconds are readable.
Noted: 11.33.56
